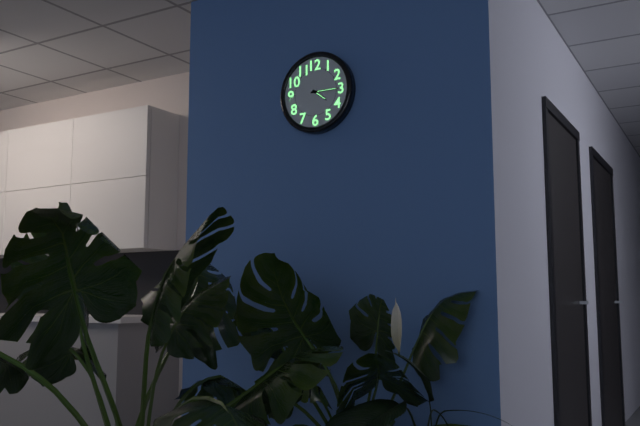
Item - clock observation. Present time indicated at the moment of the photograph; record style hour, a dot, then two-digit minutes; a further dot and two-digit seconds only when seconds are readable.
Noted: 4.15
